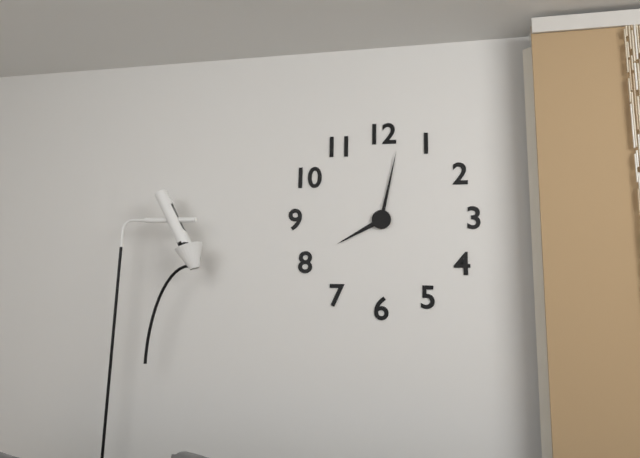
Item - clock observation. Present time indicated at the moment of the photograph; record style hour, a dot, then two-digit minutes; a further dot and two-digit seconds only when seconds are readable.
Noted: 8.02
